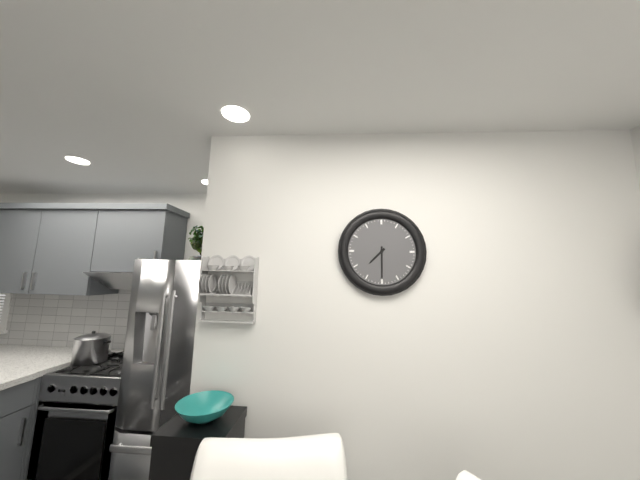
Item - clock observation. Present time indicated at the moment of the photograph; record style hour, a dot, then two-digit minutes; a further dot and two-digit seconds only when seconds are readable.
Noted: 7.30
